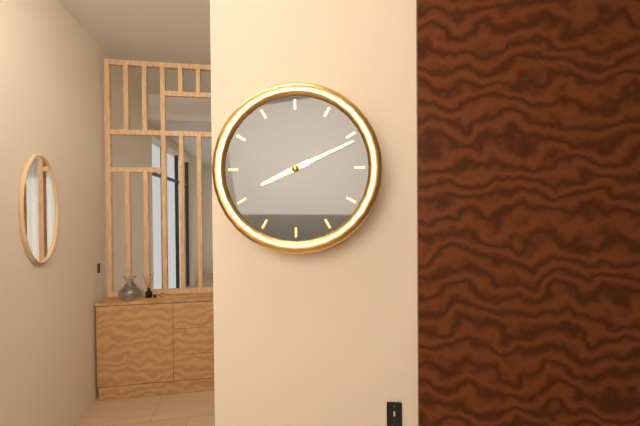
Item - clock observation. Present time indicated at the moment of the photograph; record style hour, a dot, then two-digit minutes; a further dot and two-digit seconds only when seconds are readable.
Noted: 8.11
